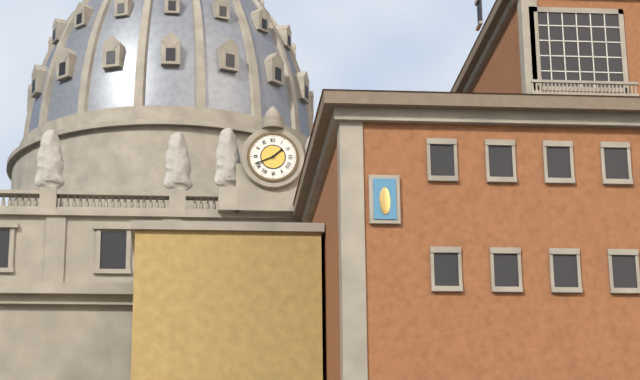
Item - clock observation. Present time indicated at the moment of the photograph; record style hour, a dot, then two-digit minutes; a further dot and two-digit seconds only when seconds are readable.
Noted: 1.41
